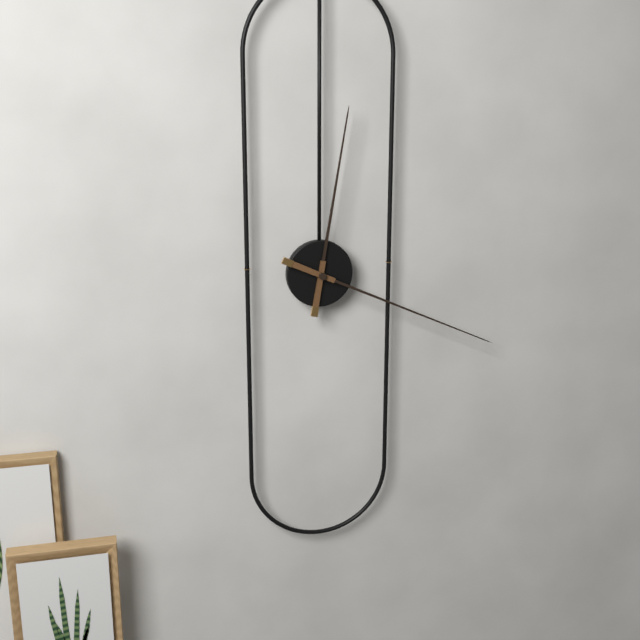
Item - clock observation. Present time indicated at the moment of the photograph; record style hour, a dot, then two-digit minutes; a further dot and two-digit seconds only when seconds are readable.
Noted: 12.19
